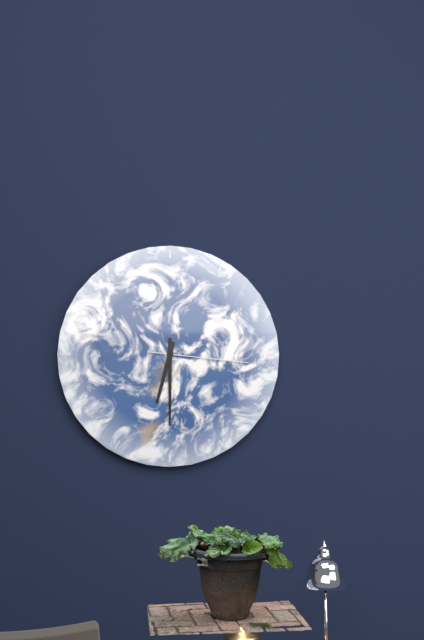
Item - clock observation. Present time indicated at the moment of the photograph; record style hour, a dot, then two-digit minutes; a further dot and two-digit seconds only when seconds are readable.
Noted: 6.30.16
